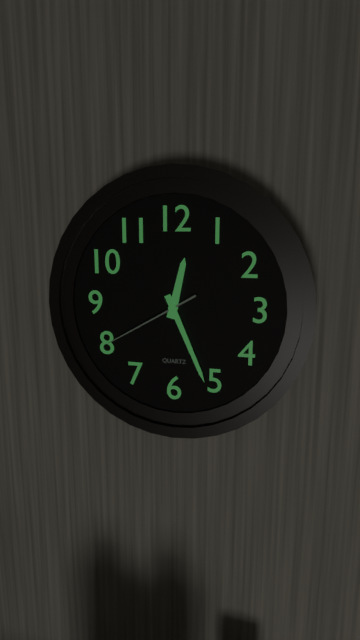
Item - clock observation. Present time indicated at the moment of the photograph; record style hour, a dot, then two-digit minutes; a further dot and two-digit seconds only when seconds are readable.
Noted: 12.26.40
